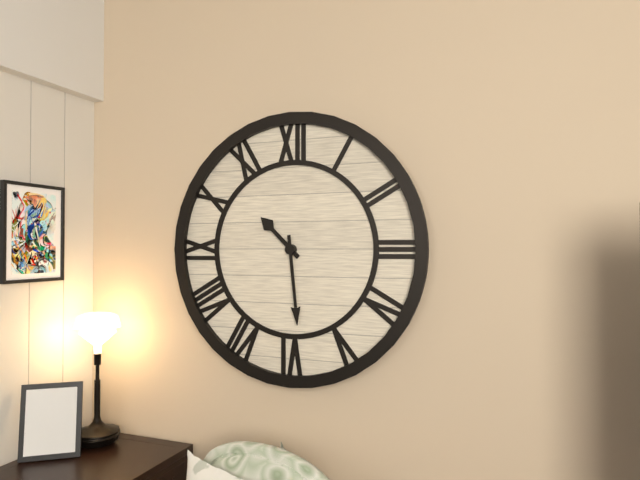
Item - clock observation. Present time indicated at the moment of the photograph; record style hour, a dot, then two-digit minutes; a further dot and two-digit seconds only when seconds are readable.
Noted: 10.29
